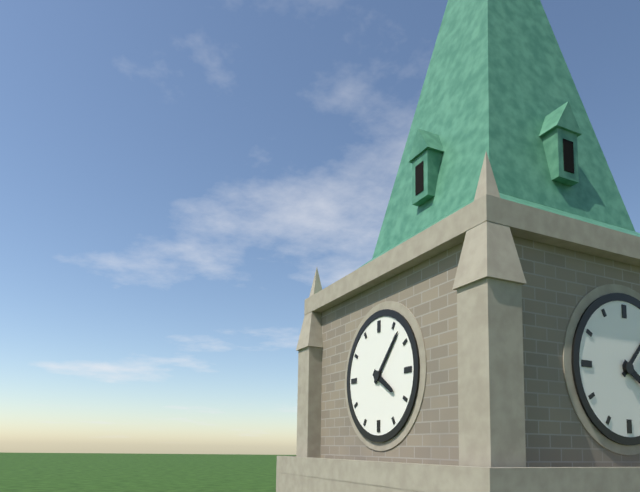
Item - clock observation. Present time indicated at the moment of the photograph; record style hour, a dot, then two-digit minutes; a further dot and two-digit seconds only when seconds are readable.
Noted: 4.07
